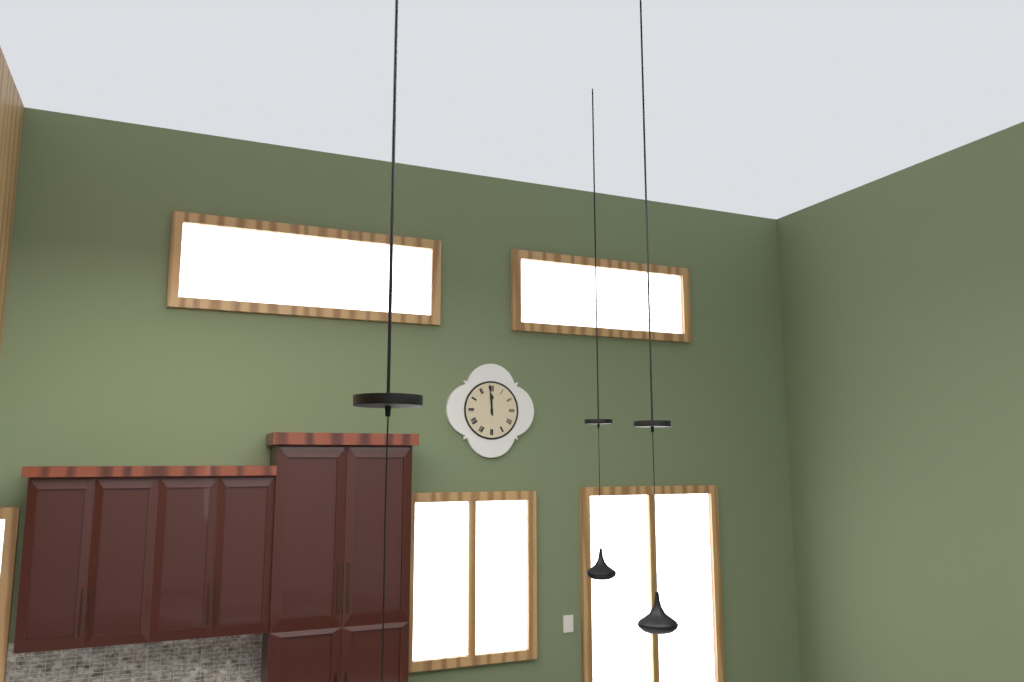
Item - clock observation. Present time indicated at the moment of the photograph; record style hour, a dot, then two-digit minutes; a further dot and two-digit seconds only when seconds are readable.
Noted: 11.59
